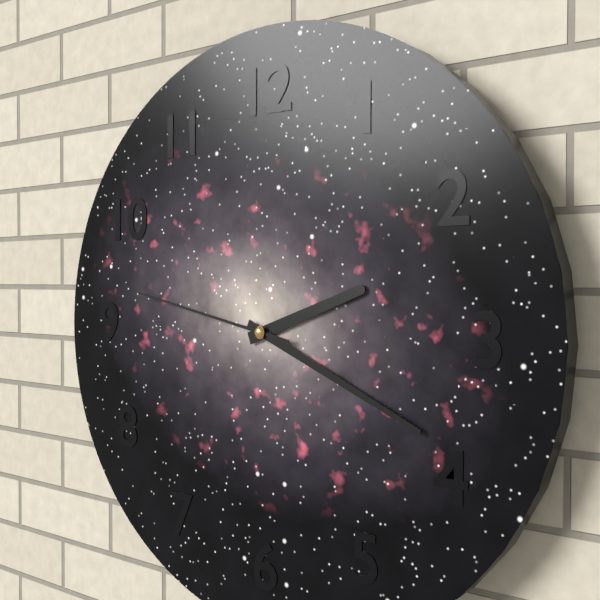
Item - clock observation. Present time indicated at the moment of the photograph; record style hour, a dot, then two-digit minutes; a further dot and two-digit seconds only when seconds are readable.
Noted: 2.19.47
